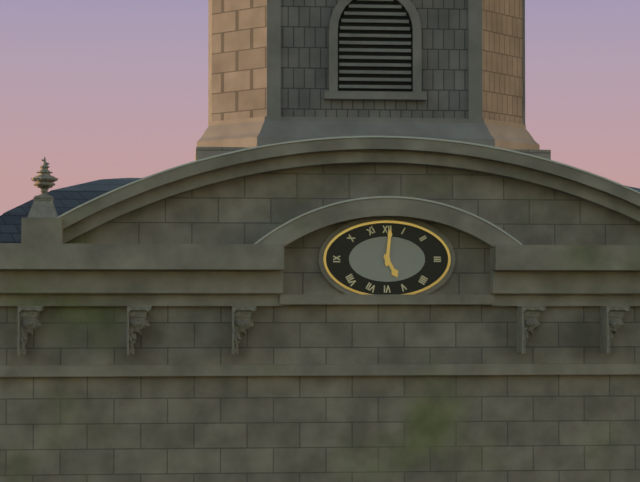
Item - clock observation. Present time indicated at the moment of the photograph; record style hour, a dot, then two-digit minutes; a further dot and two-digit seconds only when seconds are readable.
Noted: 5.01
